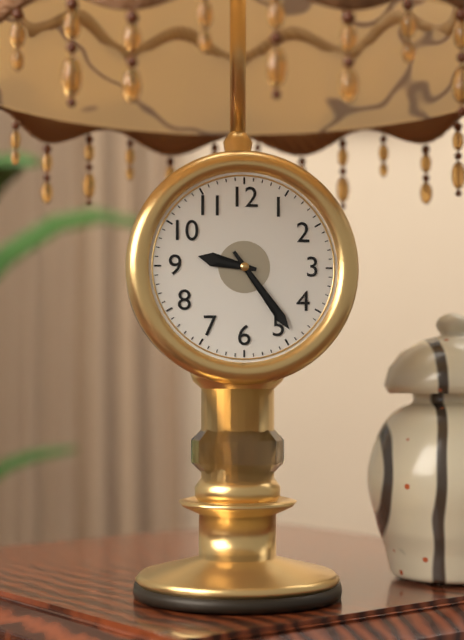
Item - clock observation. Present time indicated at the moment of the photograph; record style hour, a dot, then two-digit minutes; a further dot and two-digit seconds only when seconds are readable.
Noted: 9.24
